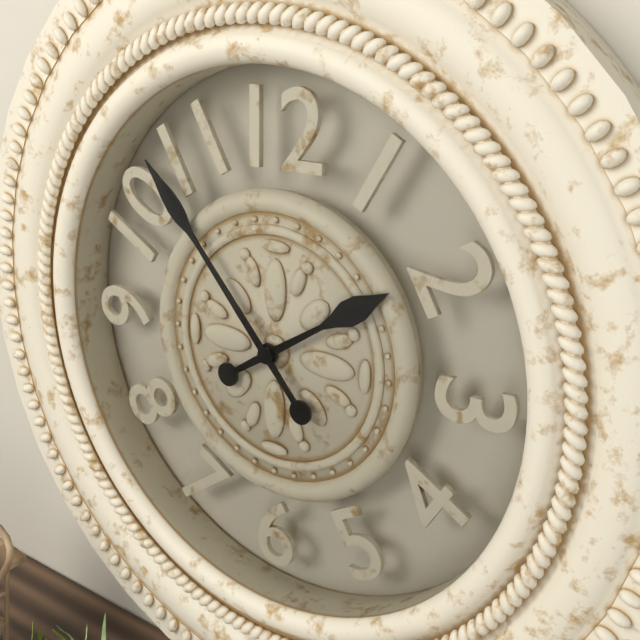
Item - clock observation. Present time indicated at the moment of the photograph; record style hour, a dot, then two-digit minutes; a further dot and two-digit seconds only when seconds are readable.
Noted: 1.53
